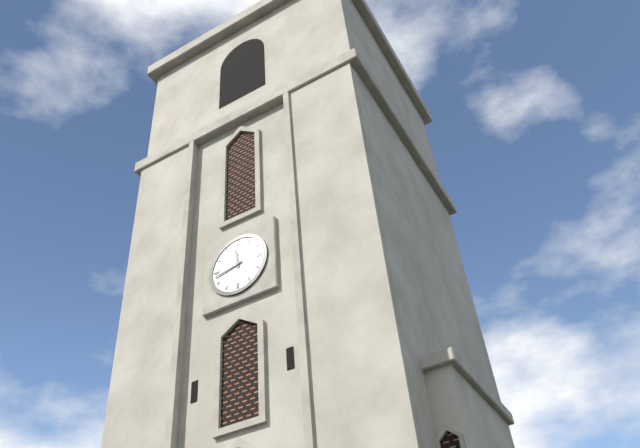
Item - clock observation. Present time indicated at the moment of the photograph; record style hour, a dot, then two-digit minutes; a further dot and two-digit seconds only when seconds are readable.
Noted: 11.43
